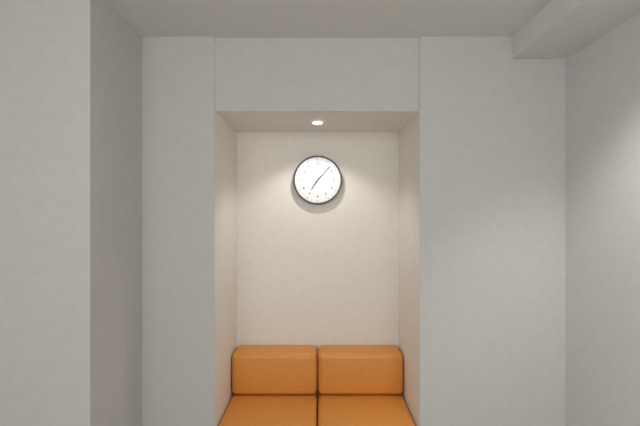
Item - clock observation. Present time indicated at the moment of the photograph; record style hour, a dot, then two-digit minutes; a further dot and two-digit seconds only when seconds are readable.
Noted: 7.07
